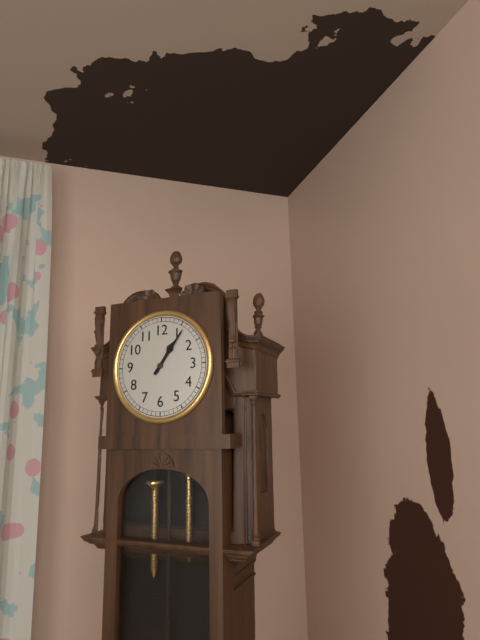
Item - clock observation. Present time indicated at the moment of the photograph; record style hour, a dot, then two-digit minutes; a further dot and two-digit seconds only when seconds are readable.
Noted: 1.06
